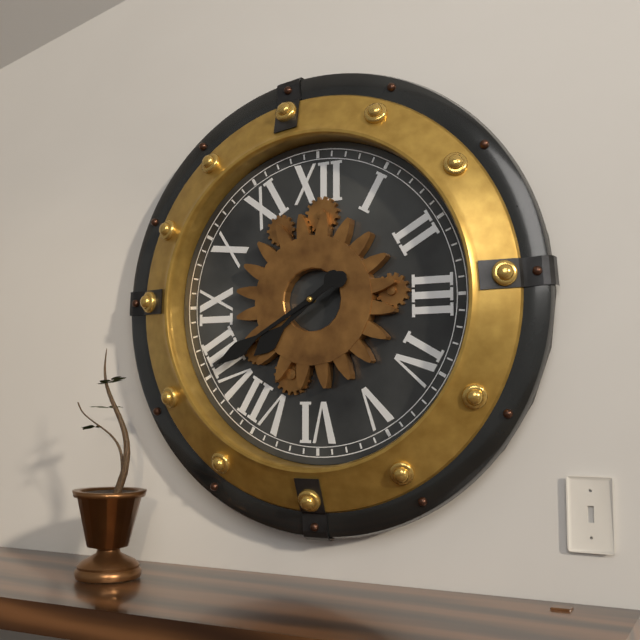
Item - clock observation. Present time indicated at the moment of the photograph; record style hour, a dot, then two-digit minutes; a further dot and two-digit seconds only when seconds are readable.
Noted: 7.40
